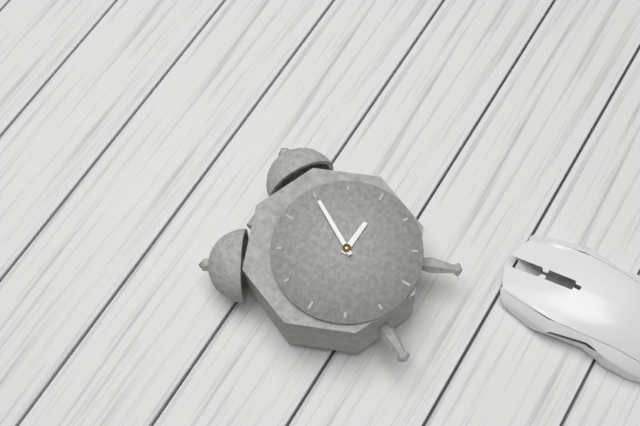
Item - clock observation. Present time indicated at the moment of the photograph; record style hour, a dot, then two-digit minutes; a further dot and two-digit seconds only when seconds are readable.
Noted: 3.05
